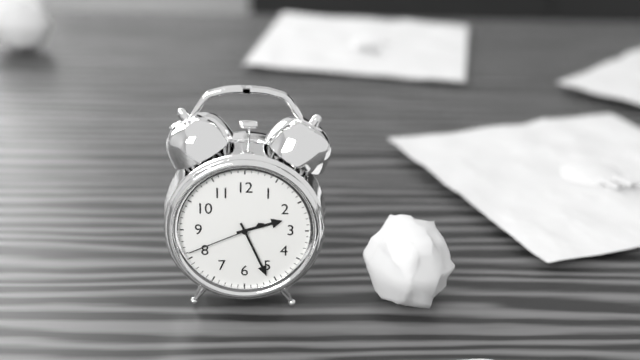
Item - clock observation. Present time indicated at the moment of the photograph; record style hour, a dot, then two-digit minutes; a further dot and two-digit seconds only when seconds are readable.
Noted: 2.26.41
